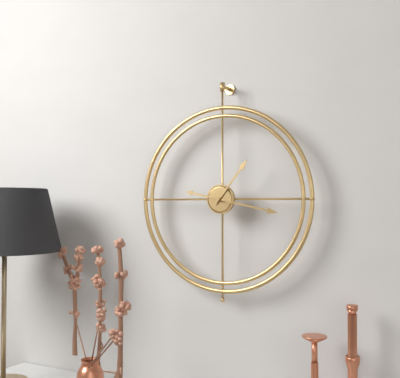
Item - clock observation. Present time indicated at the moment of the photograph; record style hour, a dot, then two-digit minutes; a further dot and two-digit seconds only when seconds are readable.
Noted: 1.17
